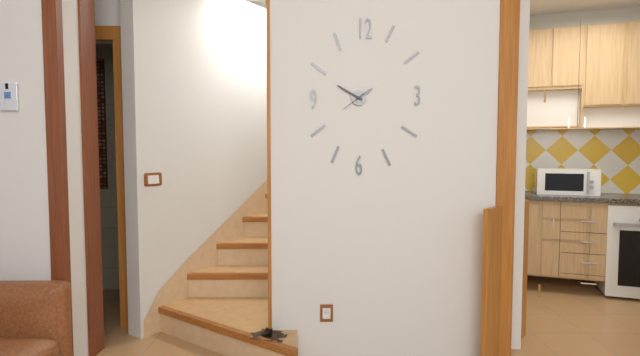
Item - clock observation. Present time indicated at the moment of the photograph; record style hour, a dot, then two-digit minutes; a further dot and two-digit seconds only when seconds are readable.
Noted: 1.50
